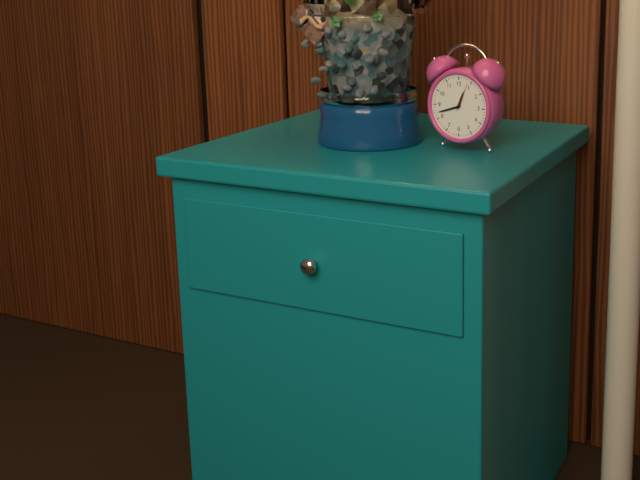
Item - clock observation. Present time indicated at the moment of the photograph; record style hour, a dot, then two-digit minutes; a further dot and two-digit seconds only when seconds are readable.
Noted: 12.42
